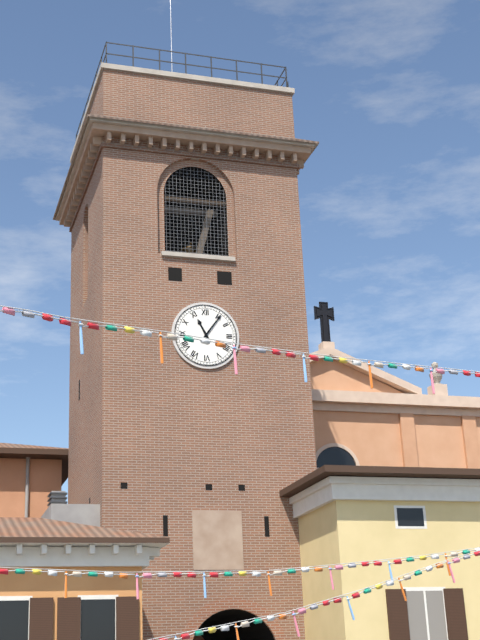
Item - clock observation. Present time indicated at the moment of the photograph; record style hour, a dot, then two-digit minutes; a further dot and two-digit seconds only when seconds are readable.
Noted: 11.06
